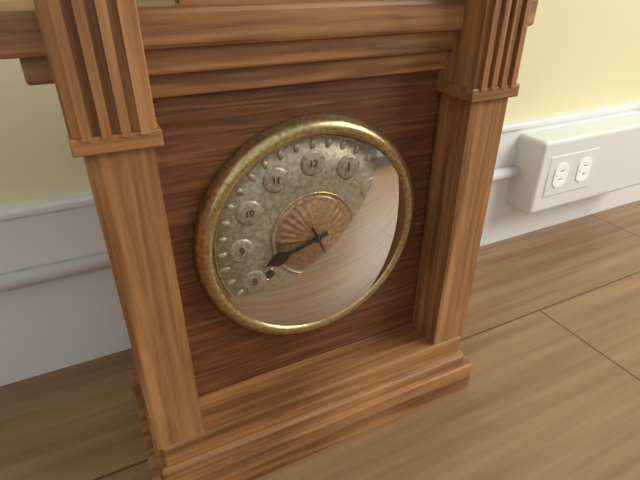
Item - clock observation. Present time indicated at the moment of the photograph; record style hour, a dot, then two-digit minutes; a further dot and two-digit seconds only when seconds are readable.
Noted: 8.26
